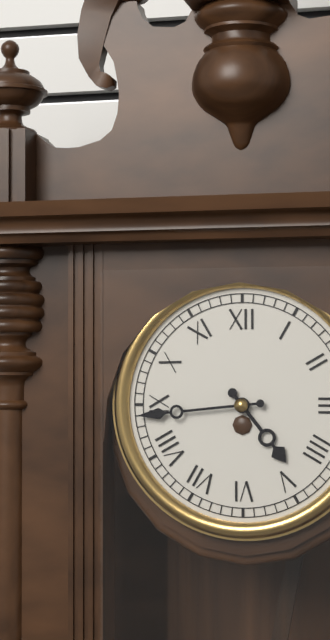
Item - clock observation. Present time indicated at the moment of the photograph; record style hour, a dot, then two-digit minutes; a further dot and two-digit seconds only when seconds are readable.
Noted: 4.44
